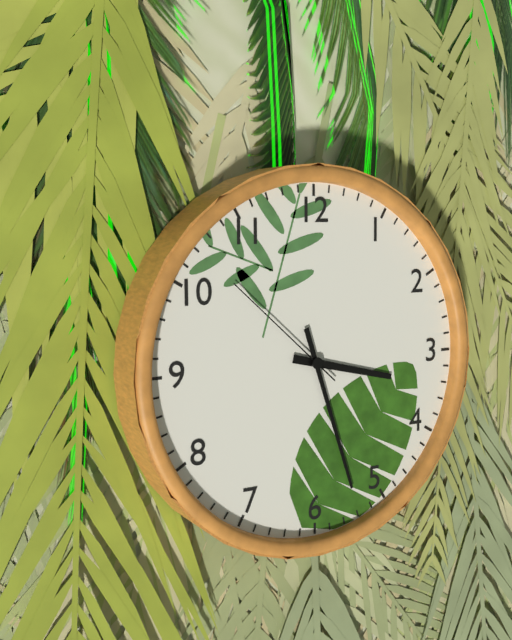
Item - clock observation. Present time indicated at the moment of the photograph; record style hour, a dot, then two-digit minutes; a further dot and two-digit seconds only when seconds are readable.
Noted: 3.27.52
